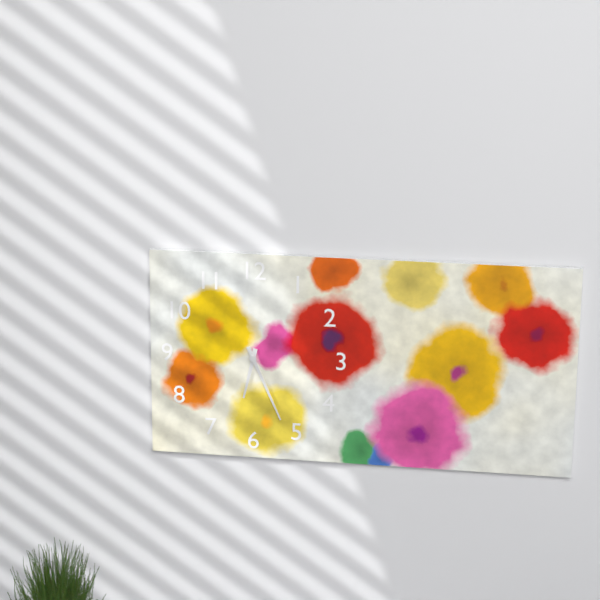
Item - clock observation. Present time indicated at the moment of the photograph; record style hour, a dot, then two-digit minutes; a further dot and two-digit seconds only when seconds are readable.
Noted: 6.26
